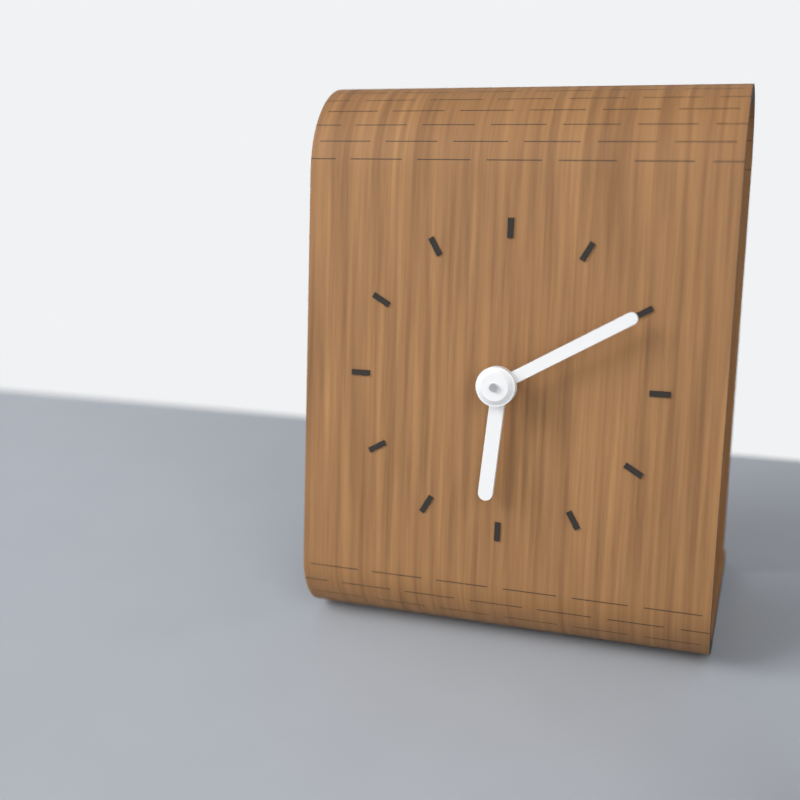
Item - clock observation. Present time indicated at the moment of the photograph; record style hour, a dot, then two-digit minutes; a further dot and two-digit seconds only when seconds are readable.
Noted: 6.10
